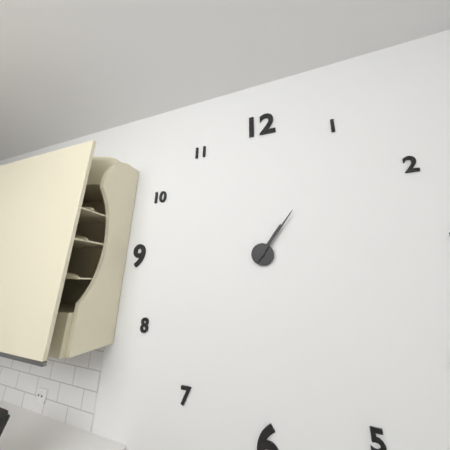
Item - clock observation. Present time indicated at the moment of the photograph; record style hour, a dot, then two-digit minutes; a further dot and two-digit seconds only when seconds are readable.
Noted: 1.06
